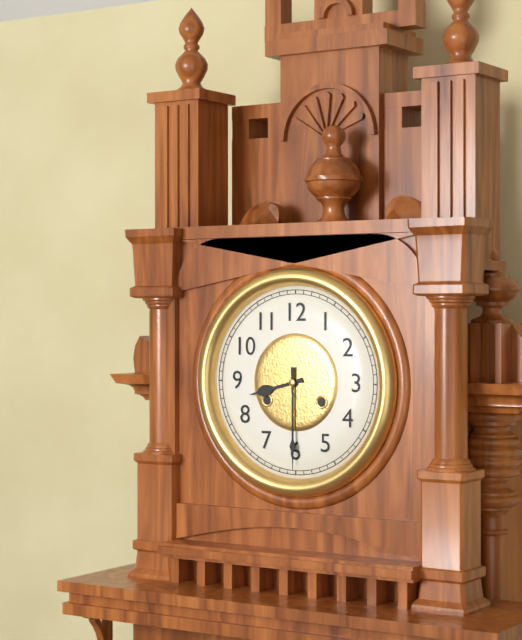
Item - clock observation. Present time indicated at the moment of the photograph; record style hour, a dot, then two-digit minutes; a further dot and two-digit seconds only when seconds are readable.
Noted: 8.30
